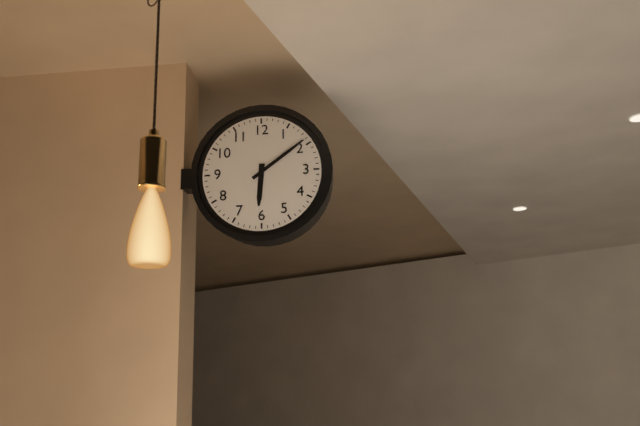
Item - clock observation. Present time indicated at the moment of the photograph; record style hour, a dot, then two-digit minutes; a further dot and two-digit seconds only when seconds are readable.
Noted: 6.09
